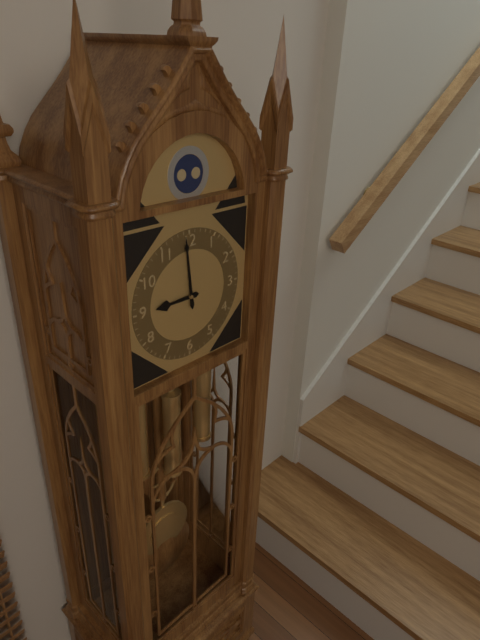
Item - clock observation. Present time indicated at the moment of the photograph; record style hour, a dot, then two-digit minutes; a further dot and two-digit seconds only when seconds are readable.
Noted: 8.59
